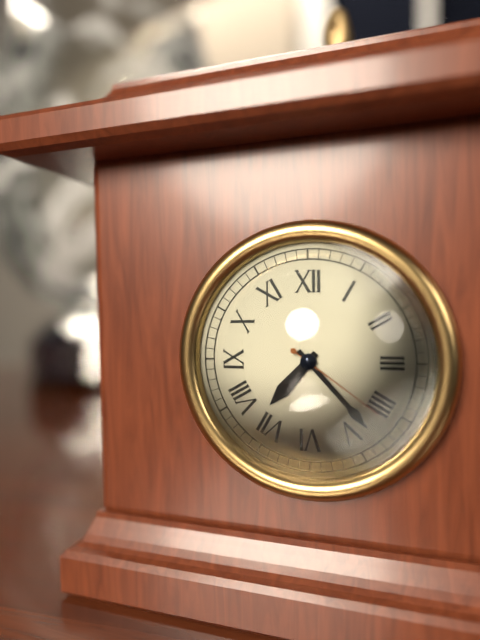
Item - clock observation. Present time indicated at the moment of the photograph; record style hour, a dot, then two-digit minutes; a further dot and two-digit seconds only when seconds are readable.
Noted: 7.23.21
